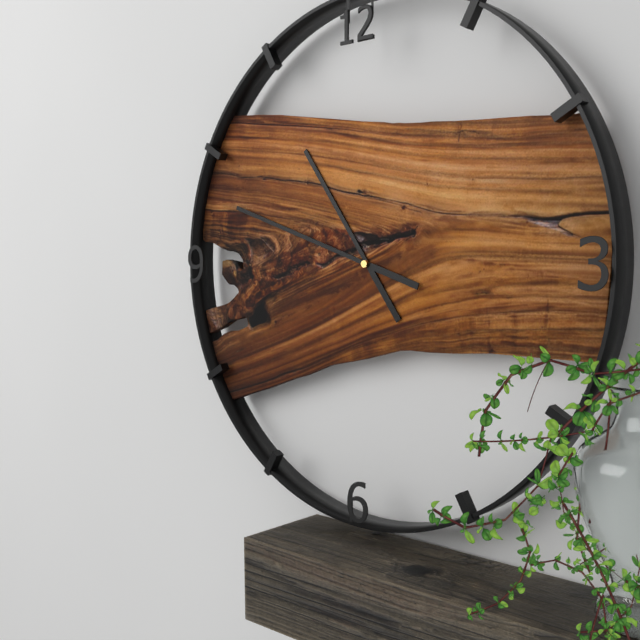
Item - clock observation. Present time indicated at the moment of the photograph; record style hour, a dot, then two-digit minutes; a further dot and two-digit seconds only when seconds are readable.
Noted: 10.48
